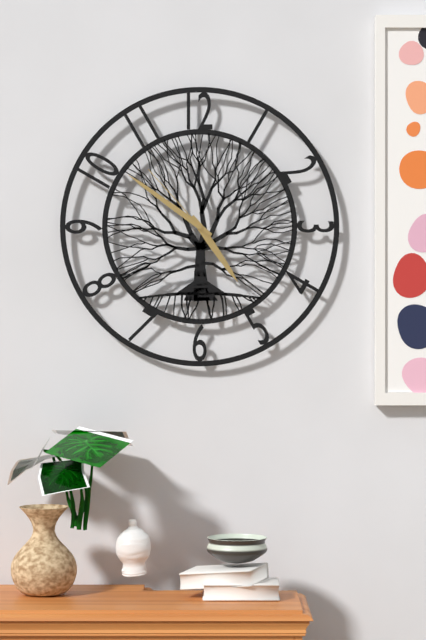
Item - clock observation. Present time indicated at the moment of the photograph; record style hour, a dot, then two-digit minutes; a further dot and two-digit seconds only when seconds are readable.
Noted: 4.51.53
